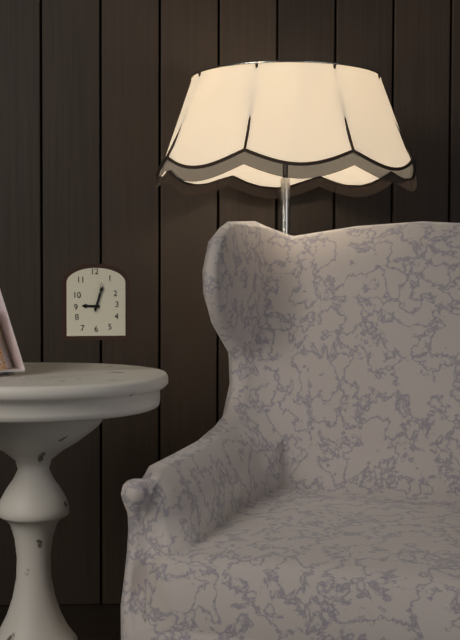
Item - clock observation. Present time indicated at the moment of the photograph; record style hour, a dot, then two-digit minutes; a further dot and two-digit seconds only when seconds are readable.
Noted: 9.03
